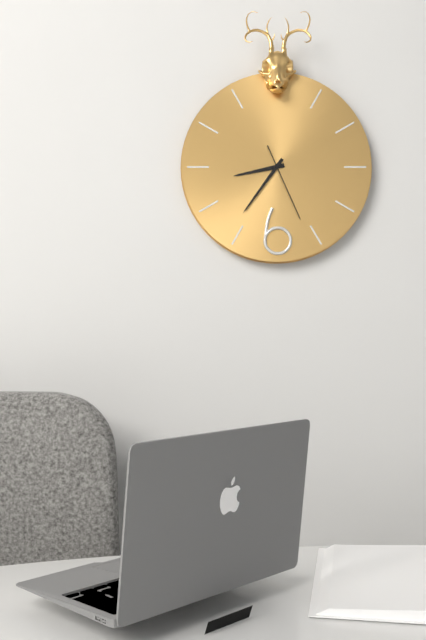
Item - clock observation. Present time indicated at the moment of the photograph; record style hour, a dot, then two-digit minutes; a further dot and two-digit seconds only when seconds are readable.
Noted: 8.36.26
